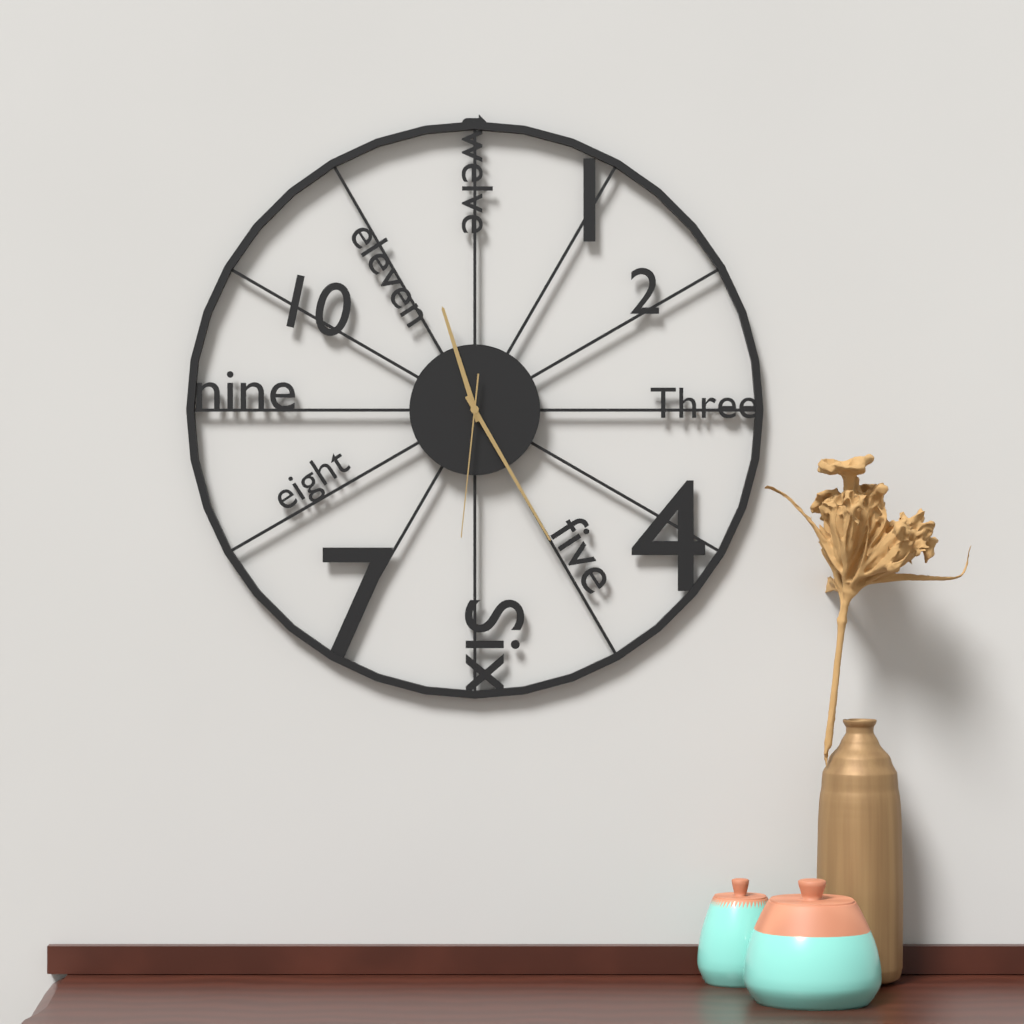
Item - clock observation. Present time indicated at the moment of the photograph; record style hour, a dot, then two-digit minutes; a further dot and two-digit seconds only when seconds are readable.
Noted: 11.25.31
